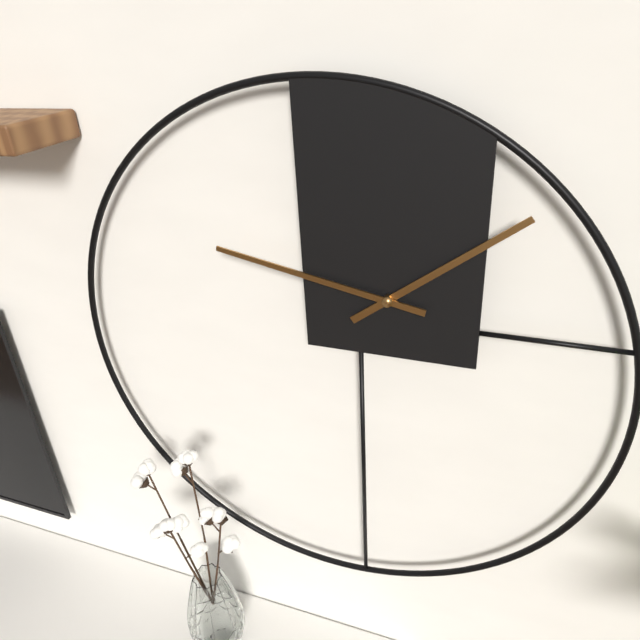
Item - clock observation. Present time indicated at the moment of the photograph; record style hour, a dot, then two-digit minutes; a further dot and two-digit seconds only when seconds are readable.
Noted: 1.47
